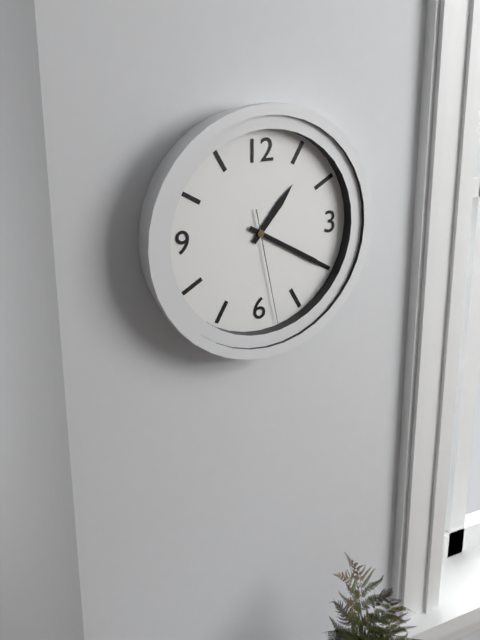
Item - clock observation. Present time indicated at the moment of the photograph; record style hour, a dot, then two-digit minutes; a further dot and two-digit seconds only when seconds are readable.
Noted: 1.20.28
